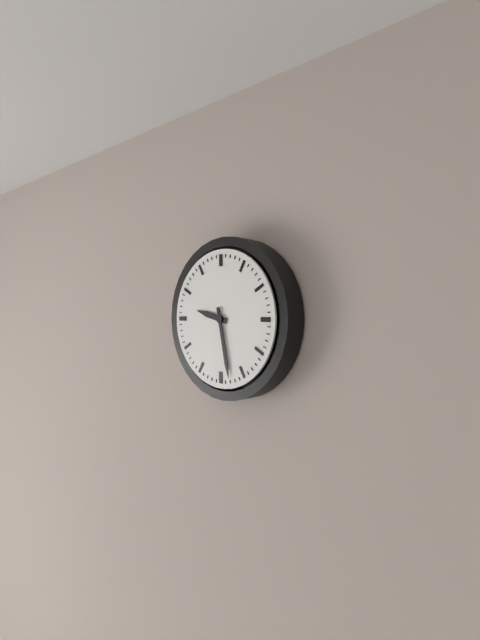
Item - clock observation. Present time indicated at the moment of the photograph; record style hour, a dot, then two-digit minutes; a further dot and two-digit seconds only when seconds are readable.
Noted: 9.28
